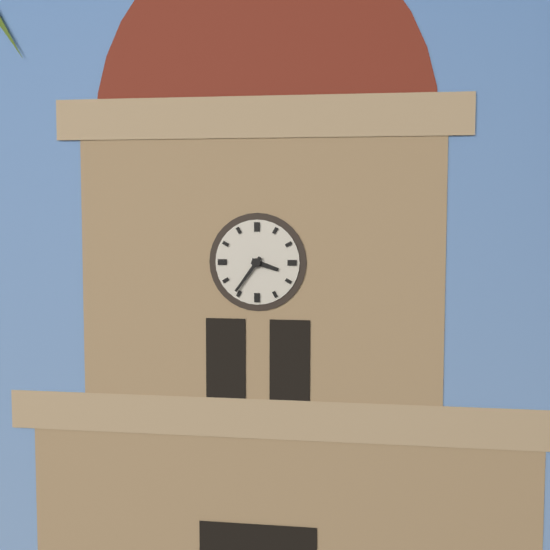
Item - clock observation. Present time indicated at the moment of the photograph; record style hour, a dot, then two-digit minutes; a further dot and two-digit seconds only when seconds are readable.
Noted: 3.36
